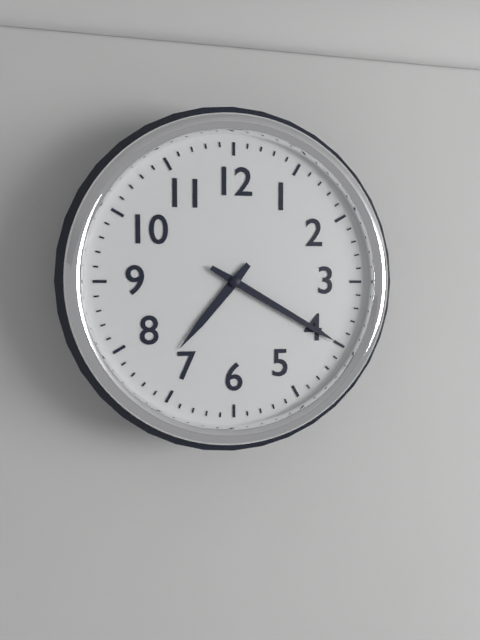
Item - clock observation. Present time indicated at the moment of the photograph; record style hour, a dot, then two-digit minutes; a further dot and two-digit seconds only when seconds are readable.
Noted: 7.20
